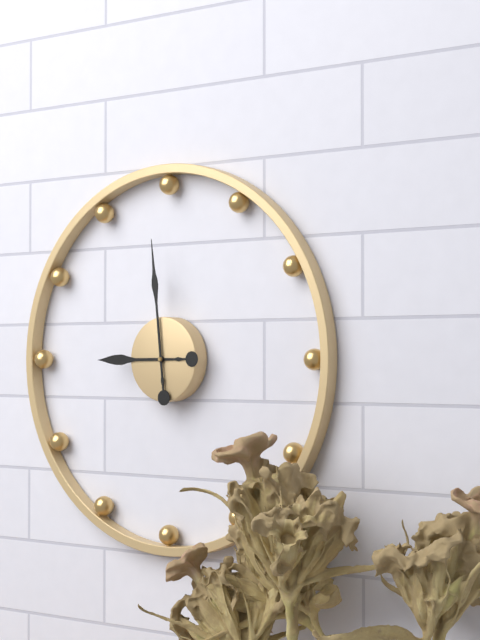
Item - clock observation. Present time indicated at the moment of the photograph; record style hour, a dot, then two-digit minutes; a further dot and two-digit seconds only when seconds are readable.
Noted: 8.59
